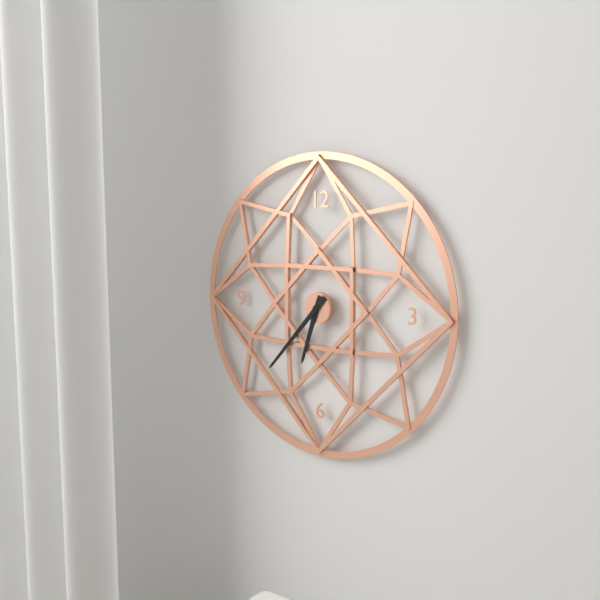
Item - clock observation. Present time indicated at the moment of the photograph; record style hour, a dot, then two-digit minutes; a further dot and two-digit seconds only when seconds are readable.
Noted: 6.37
